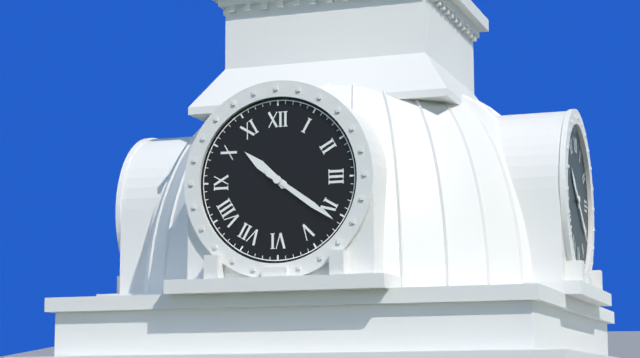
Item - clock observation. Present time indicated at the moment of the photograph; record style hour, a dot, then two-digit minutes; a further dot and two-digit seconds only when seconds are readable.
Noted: 10.21
